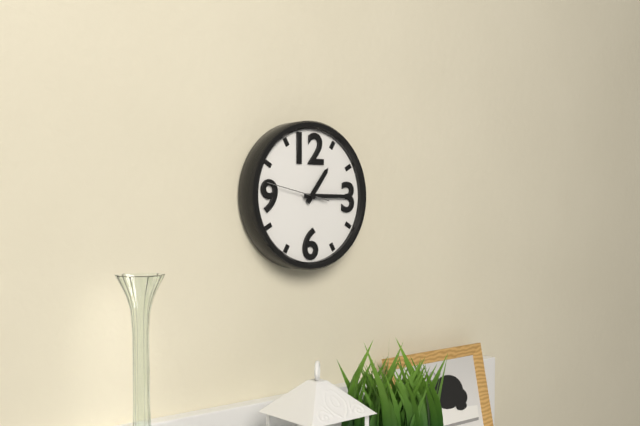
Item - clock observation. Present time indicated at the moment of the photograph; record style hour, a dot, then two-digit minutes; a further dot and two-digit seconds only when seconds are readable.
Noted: 1.15.47
